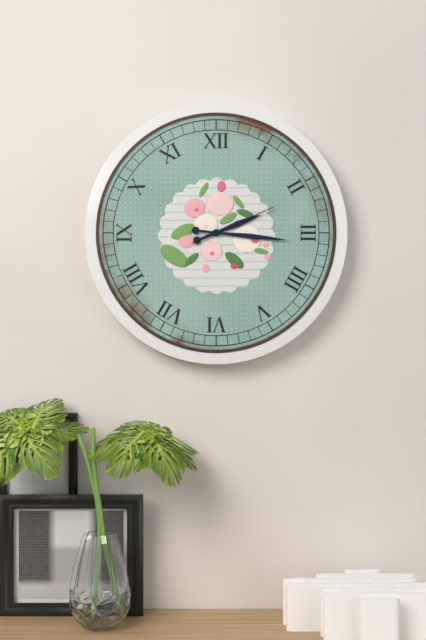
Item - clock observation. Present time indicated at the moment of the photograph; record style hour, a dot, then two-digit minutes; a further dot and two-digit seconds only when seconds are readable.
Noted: 2.16.11
